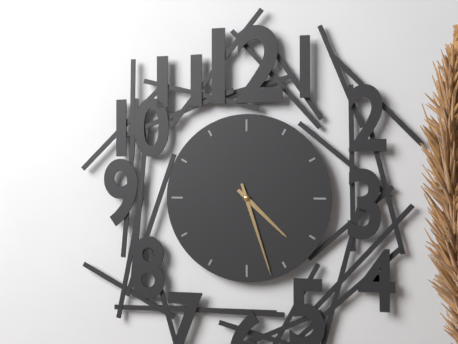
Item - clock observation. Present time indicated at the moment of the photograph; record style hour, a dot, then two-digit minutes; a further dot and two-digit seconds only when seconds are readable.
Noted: 4.27
